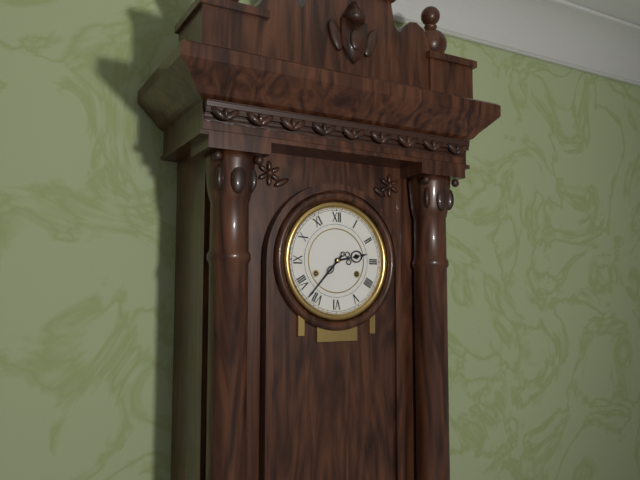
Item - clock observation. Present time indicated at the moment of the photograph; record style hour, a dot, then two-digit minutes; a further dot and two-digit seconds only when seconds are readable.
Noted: 2.37
